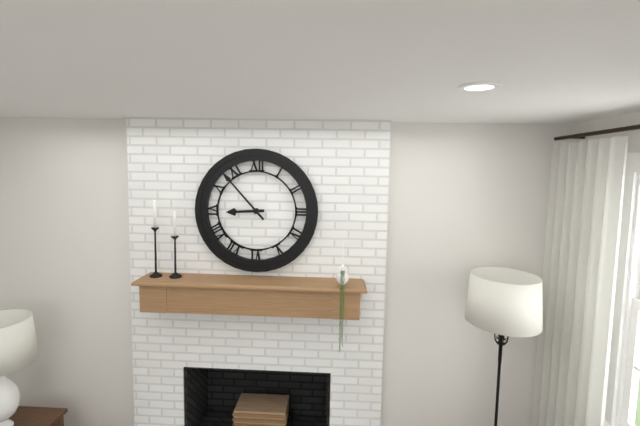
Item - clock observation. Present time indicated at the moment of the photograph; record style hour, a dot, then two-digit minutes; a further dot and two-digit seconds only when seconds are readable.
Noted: 8.53
